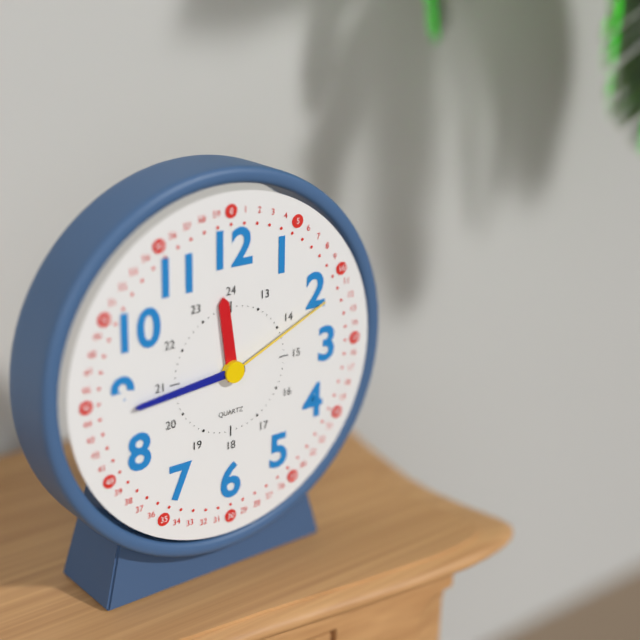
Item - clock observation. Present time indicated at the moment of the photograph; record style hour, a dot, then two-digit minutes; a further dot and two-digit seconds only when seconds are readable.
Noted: 11.44.11
